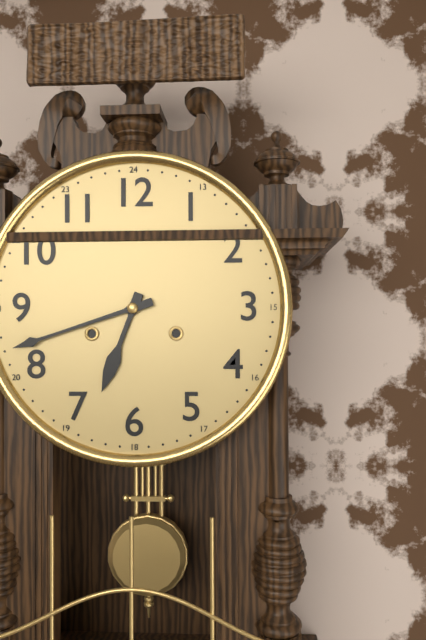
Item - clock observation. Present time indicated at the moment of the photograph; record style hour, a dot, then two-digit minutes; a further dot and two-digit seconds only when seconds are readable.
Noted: 6.42
